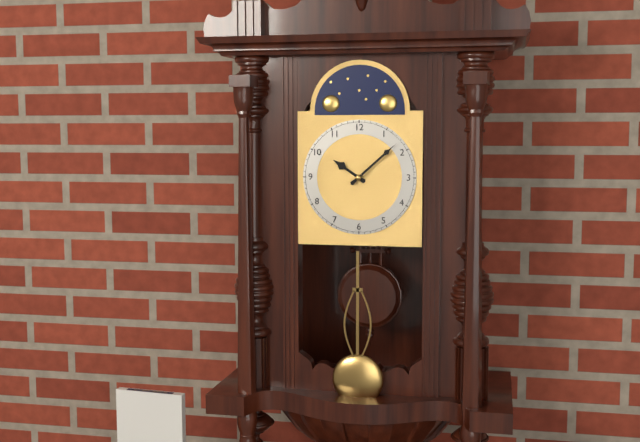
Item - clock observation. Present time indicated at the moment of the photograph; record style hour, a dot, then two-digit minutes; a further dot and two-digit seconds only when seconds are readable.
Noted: 10.08
